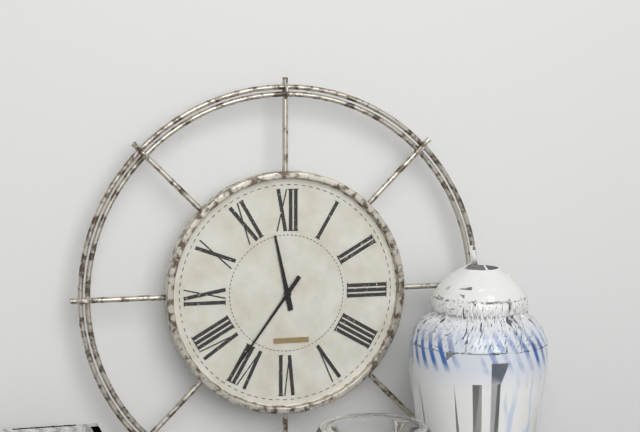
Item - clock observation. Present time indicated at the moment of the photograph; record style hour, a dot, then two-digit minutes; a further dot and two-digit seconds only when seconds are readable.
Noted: 11.36
